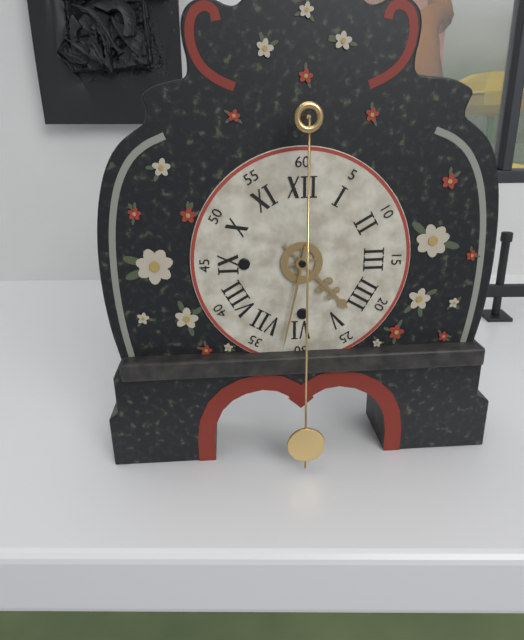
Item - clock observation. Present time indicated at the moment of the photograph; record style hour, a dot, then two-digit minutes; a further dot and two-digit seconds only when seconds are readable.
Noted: 4.32
